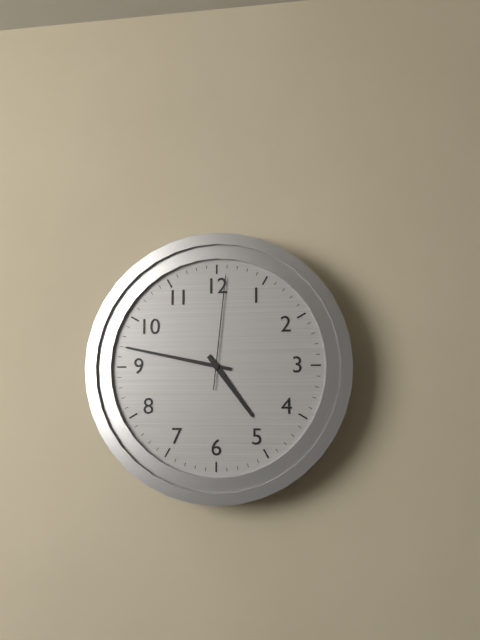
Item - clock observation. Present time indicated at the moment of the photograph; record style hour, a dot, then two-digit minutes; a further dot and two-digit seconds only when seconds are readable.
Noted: 4.47.01
